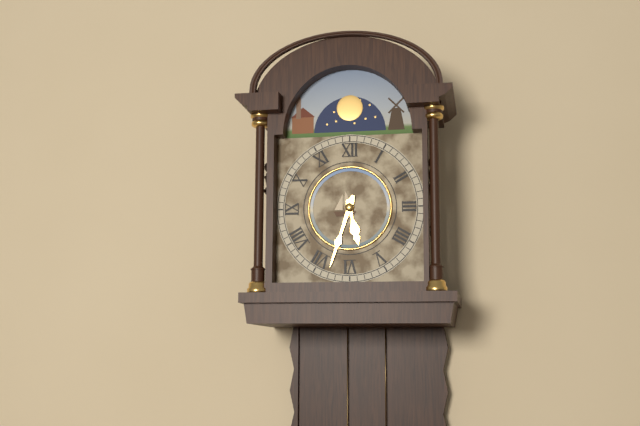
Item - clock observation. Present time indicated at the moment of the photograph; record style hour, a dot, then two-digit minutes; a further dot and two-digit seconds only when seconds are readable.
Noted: 5.33
